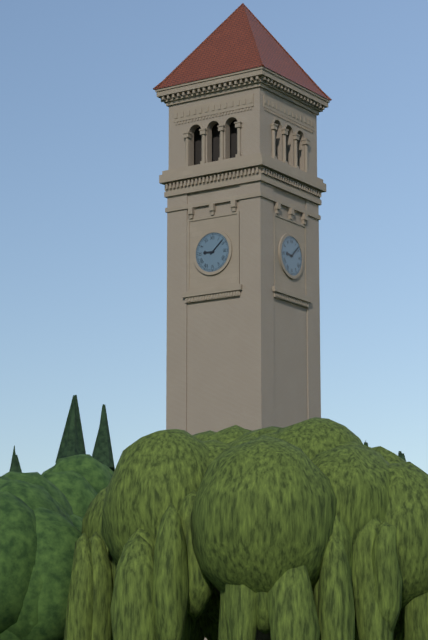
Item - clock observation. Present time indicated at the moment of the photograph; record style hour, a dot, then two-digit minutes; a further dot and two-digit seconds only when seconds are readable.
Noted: 9.08
